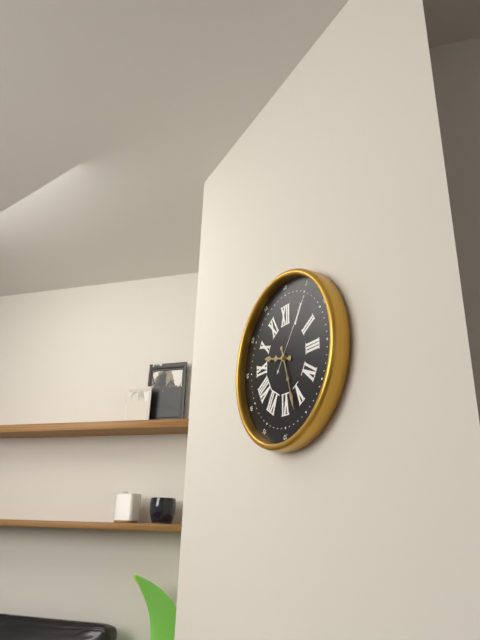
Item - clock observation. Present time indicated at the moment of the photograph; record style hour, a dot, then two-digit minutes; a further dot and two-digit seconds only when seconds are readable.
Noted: 9.27.06
